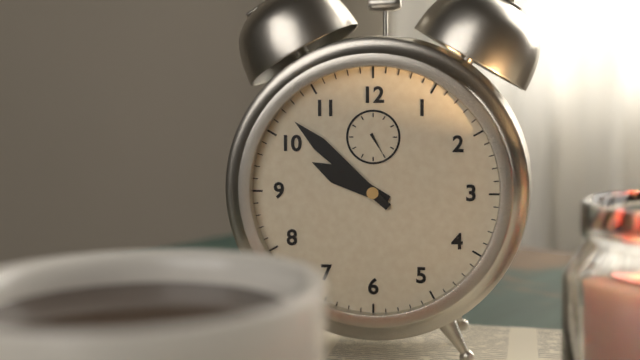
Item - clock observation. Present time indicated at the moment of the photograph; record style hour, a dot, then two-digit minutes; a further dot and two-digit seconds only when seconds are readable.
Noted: 9.52
